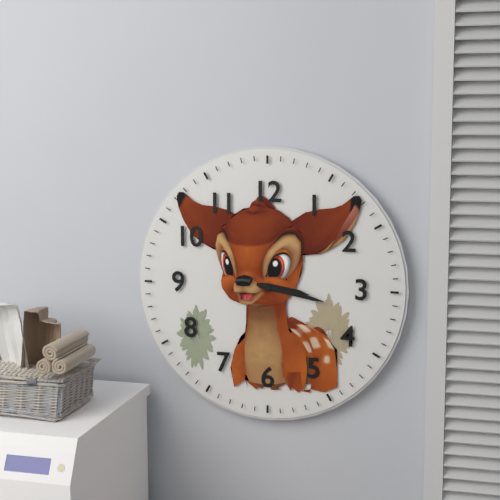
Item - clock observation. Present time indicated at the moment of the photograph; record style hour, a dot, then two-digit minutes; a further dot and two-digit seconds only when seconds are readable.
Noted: 3.17
